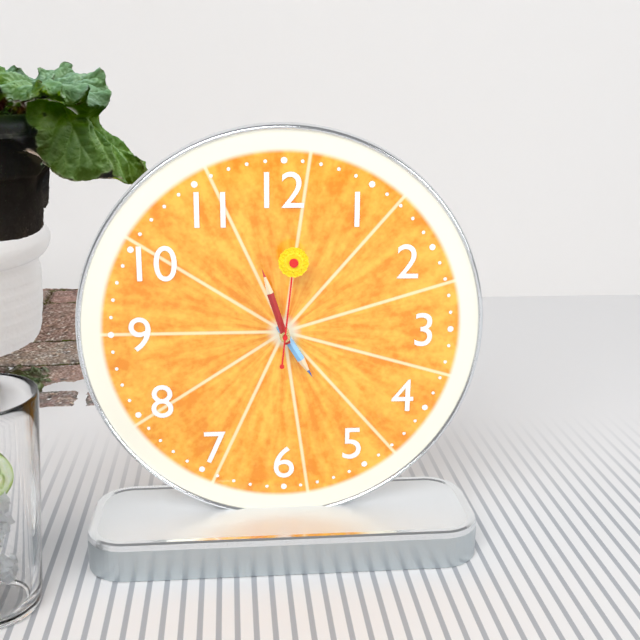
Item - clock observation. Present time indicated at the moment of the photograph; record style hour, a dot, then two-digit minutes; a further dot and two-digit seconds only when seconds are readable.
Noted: 4.57.01
